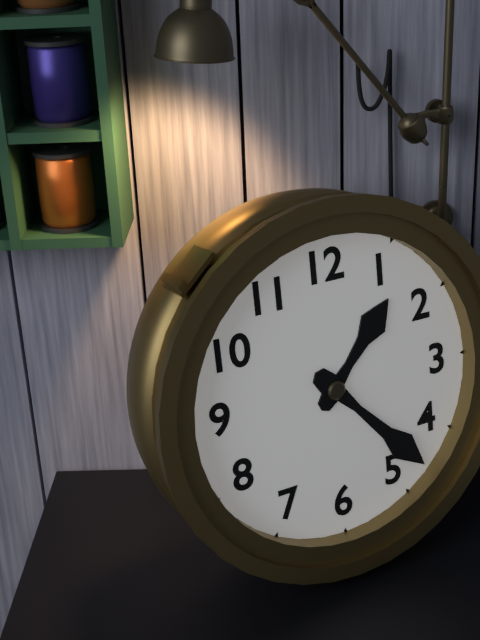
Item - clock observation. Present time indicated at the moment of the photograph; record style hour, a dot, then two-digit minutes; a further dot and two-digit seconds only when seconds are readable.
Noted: 1.23
